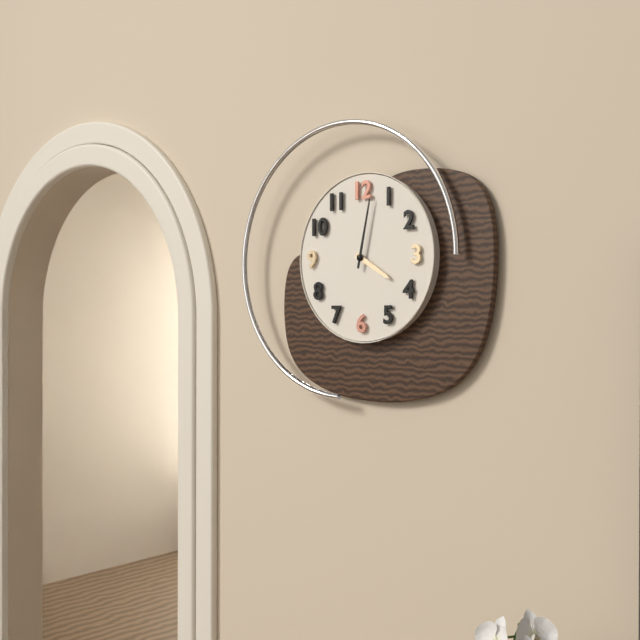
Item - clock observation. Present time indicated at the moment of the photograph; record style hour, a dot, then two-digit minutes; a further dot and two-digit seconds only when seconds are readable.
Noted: 4.02
